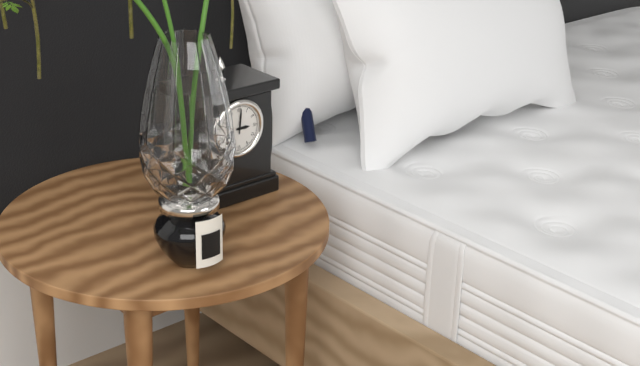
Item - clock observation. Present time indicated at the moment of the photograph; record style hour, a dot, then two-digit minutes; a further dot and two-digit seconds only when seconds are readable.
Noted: 3.01
